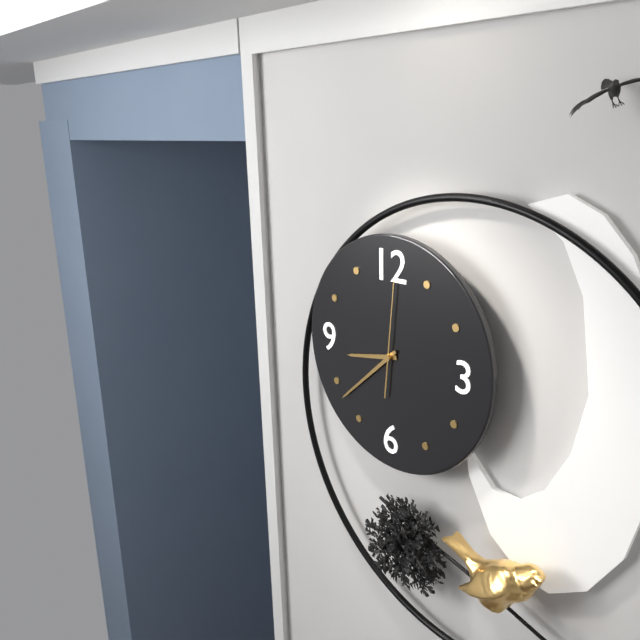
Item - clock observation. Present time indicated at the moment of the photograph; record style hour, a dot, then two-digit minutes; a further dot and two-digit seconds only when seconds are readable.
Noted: 8.38.01
